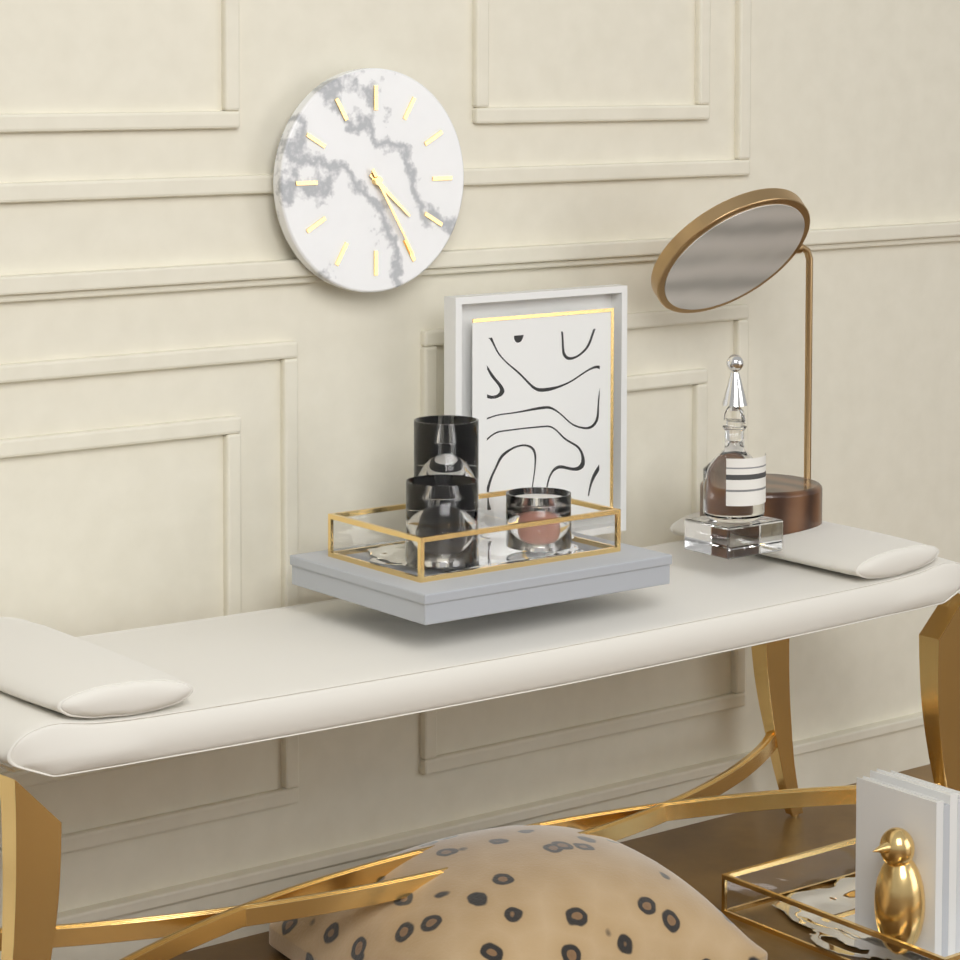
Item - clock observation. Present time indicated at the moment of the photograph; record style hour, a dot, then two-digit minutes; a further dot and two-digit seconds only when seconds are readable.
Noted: 4.25
